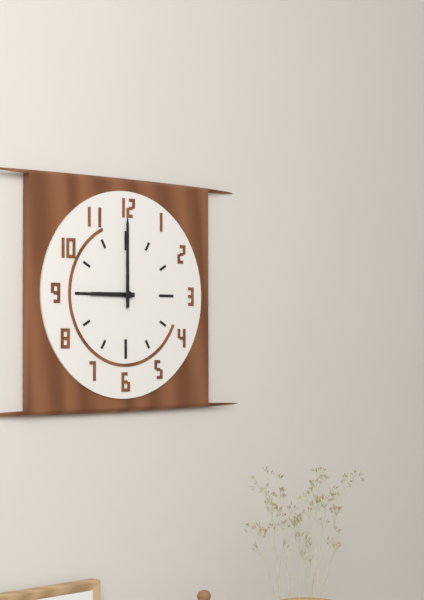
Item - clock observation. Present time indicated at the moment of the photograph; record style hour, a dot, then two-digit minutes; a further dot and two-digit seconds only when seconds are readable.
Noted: 9.00
